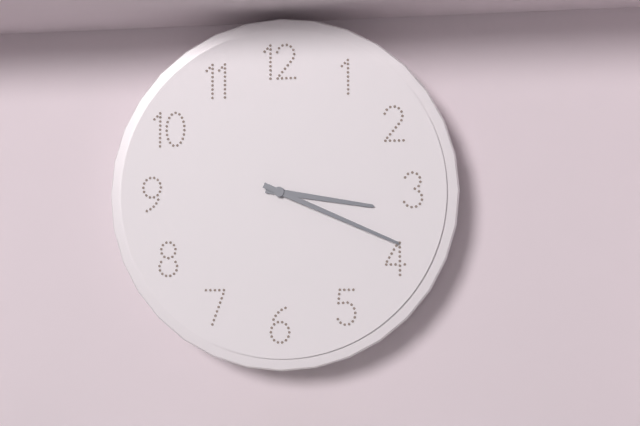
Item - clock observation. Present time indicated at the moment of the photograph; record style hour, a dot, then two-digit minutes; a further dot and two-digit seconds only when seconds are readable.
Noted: 3.19
